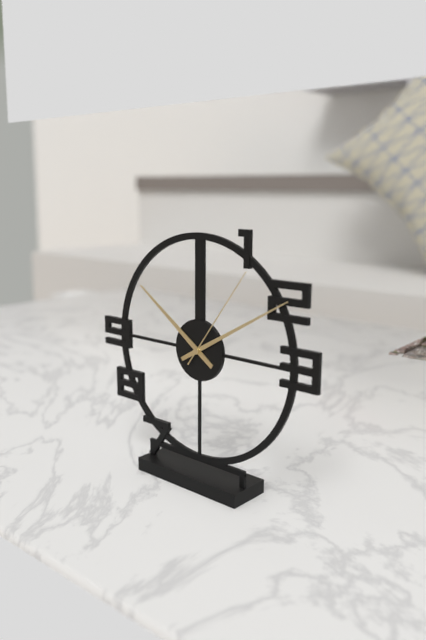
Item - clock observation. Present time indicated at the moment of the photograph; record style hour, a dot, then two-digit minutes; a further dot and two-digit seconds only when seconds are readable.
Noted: 10.10.06
